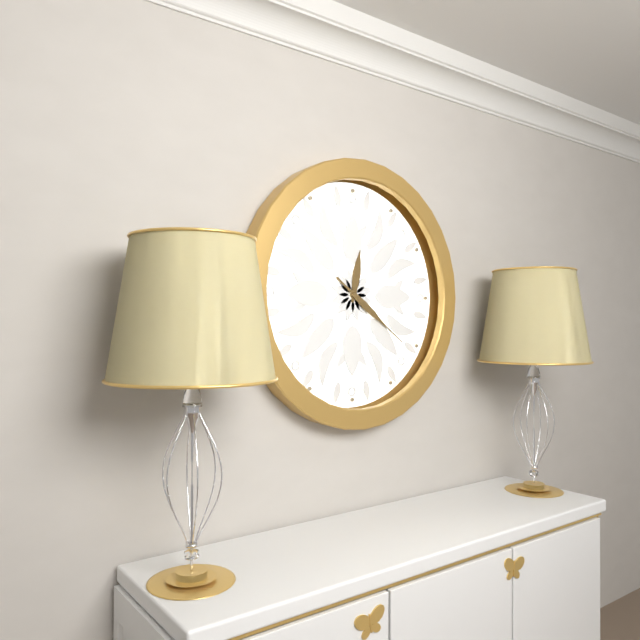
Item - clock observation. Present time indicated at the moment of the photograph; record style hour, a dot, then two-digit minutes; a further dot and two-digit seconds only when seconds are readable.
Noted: 12.21
